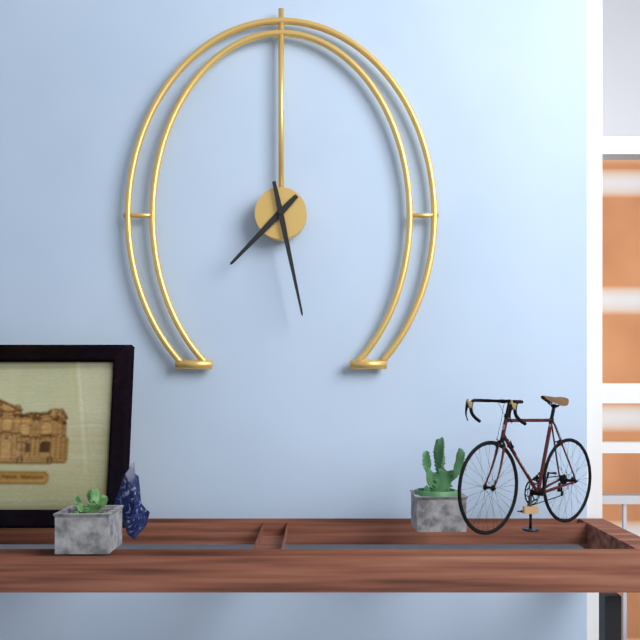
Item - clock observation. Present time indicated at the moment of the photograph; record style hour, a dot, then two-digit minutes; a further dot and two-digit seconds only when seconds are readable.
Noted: 7.28
